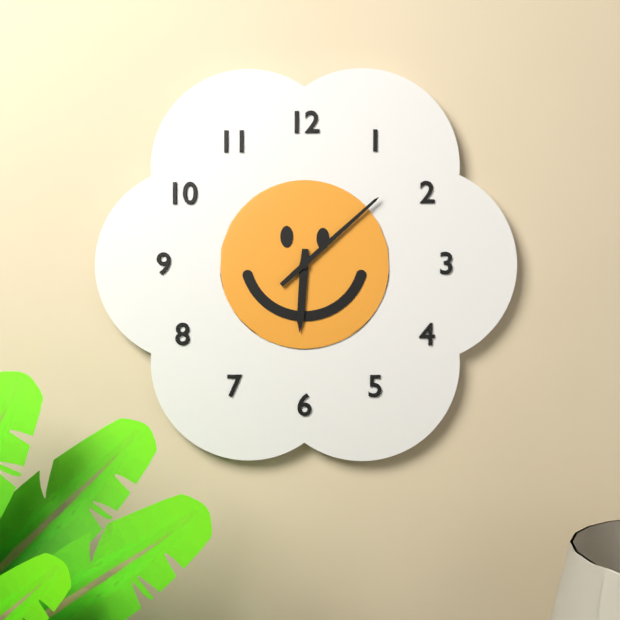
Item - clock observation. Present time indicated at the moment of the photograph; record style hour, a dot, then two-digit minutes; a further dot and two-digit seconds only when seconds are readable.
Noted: 6.08
